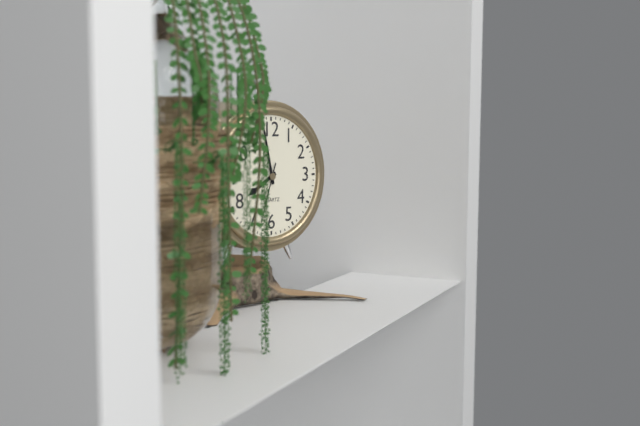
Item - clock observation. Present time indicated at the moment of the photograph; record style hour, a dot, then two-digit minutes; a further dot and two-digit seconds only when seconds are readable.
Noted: 7.58
